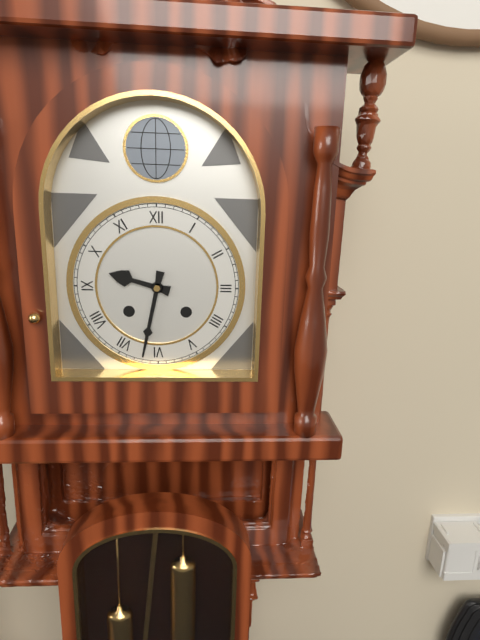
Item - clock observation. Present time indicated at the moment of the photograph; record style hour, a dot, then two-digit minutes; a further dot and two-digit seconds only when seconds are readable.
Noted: 9.32
